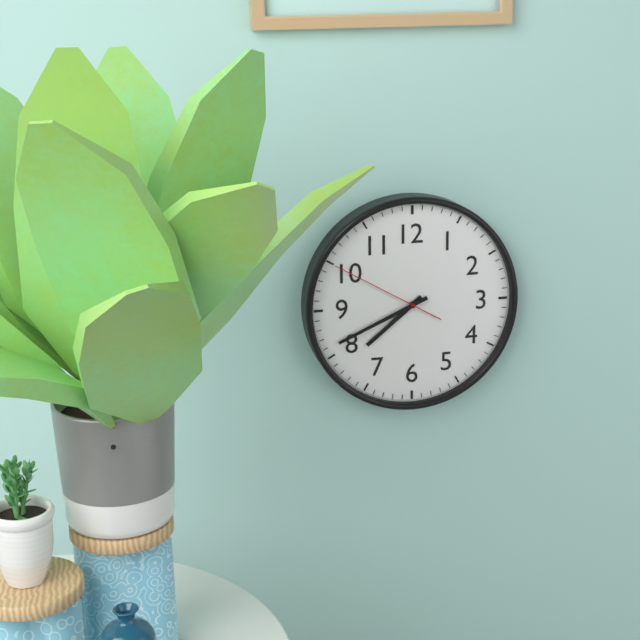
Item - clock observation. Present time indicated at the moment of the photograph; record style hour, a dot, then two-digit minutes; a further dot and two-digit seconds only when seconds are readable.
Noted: 7.41.50
